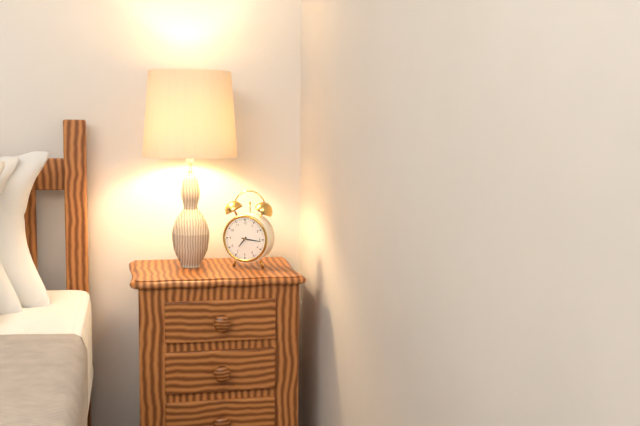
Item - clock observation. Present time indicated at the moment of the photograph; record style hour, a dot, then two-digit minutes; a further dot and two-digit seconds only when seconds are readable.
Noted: 7.16
